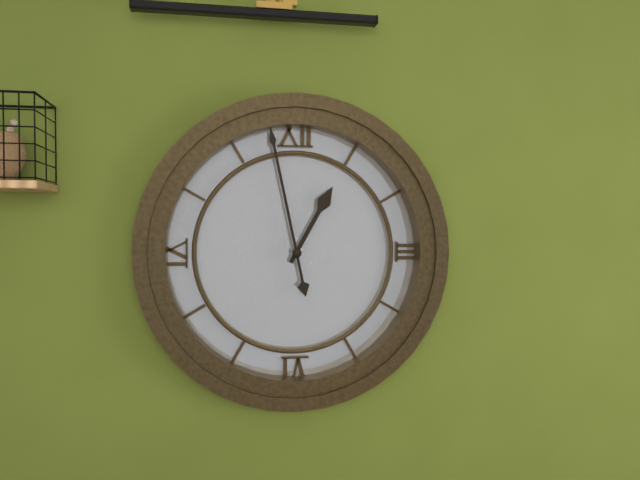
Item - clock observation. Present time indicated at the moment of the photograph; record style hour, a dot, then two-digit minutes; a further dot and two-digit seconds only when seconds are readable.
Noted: 12.58
